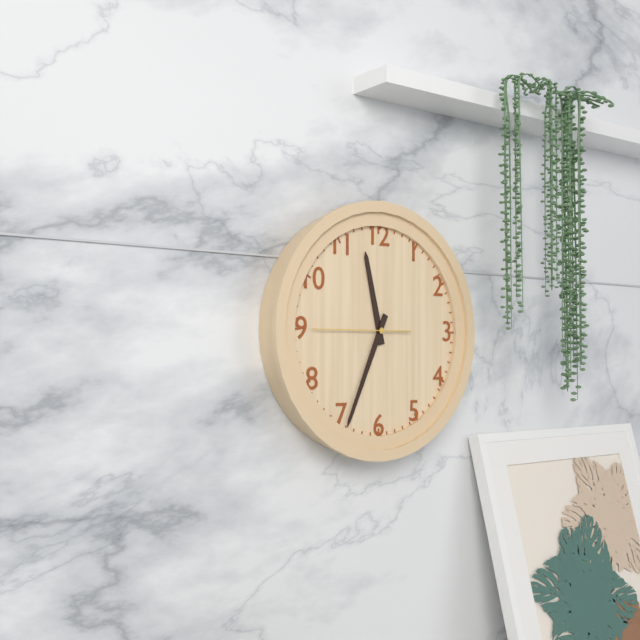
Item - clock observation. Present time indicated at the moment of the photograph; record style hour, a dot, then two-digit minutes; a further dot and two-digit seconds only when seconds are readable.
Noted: 11.34.45
